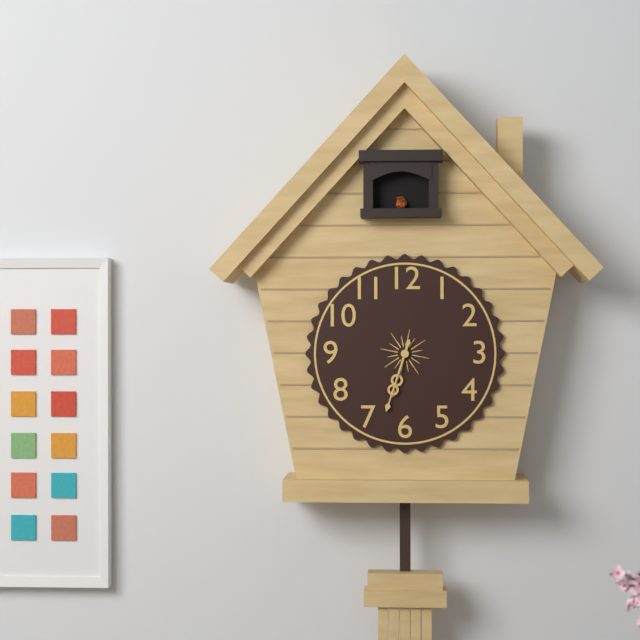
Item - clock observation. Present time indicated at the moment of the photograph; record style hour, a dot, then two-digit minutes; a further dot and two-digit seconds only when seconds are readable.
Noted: 6.33
